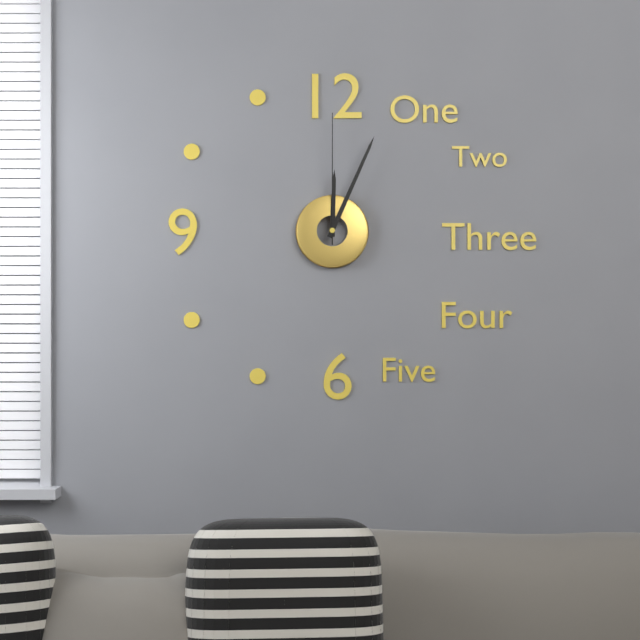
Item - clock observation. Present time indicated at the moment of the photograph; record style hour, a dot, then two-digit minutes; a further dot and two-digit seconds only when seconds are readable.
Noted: 12.04.00
